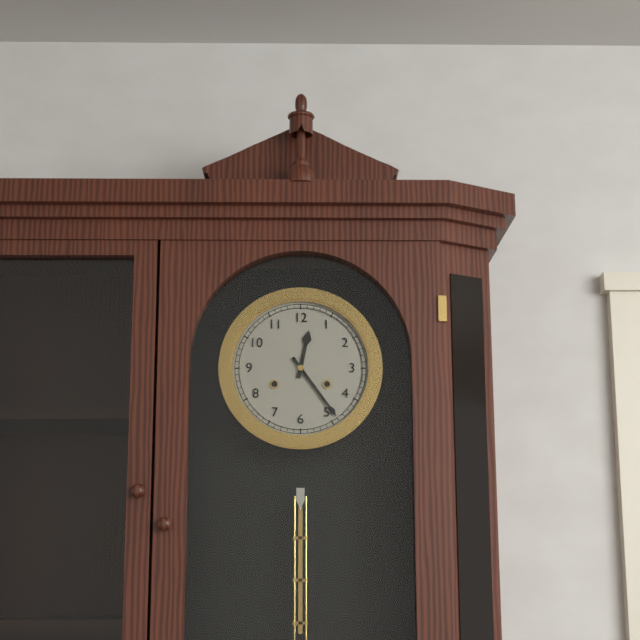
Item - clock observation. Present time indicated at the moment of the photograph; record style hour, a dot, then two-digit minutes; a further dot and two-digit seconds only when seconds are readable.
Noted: 12.24
